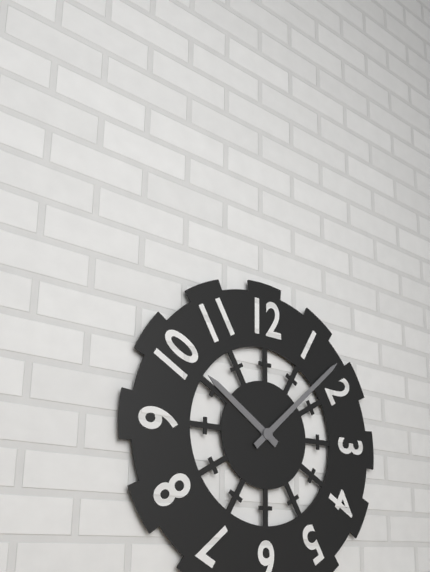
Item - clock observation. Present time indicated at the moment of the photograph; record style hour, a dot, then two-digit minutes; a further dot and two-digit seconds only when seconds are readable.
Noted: 10.08
